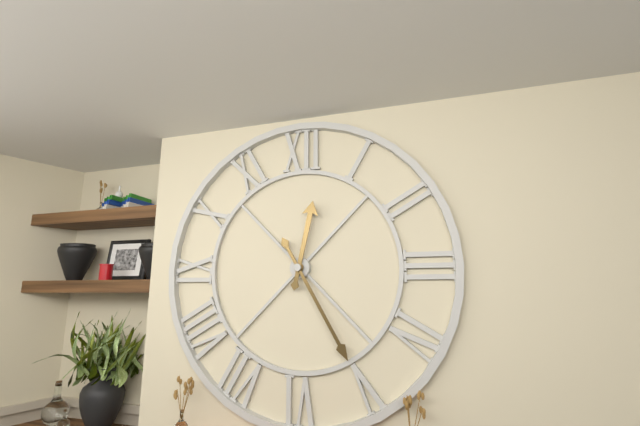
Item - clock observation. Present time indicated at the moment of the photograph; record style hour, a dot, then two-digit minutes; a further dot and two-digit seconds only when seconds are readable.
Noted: 12.25
